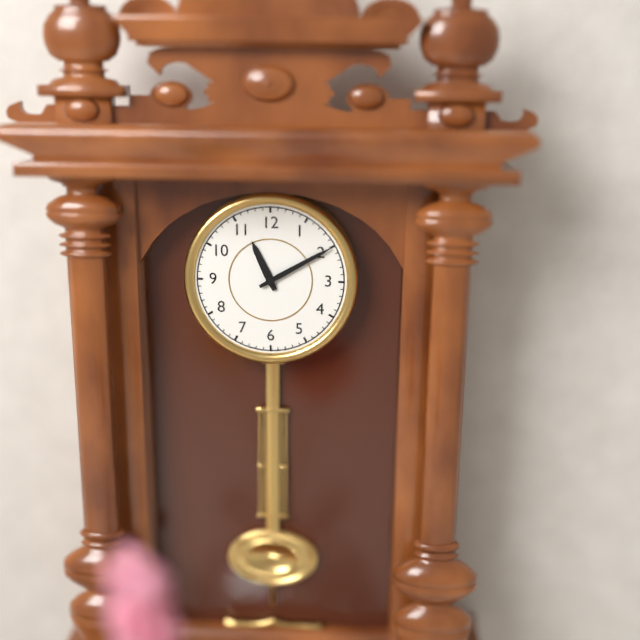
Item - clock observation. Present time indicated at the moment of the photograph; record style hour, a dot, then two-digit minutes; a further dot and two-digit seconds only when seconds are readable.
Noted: 11.10
